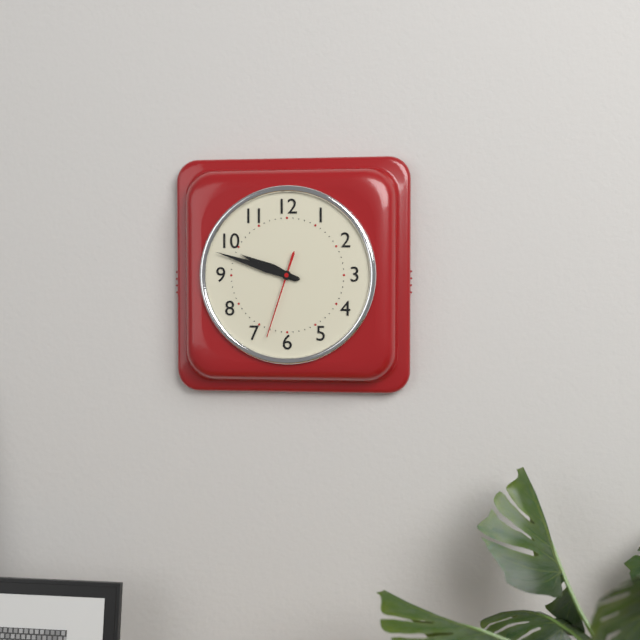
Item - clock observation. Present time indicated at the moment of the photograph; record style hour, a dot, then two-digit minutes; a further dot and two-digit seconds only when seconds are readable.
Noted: 9.48.33
